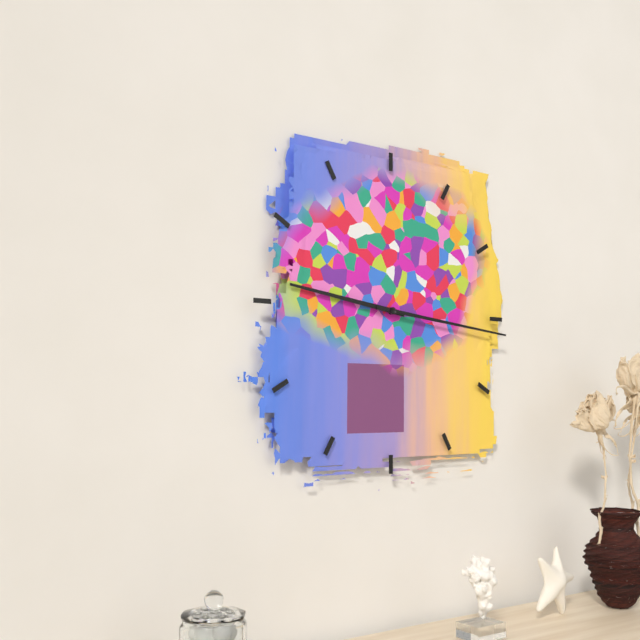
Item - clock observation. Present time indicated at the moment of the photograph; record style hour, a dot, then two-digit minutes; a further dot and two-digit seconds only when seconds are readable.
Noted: 9.16
